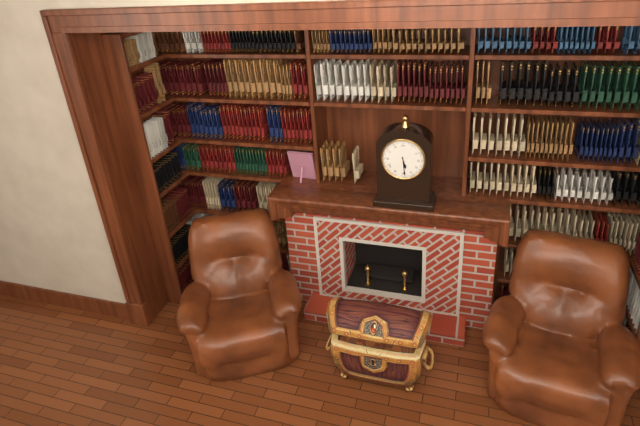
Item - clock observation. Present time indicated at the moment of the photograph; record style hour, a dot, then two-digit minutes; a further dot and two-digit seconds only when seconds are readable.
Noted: 5.29
